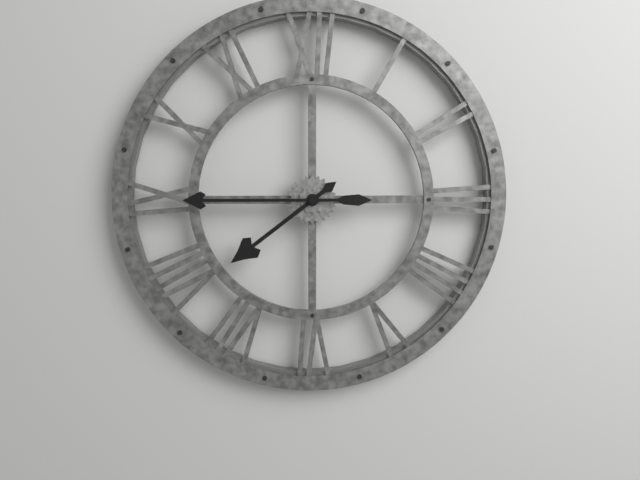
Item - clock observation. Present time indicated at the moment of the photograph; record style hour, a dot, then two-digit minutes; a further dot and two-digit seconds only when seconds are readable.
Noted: 7.45
